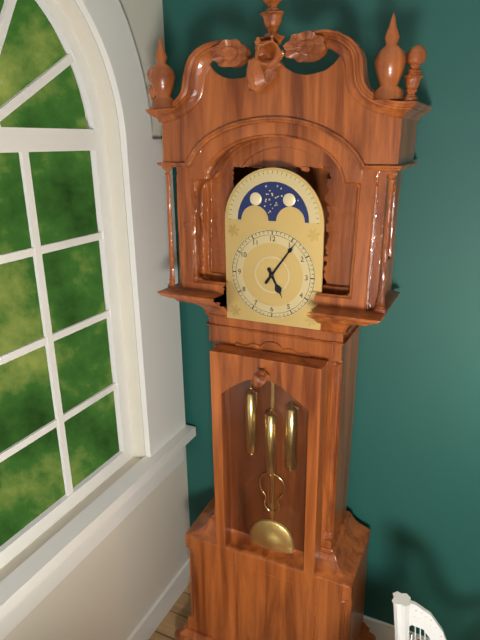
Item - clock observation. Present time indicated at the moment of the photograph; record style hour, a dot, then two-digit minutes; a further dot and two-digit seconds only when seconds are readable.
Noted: 5.06
